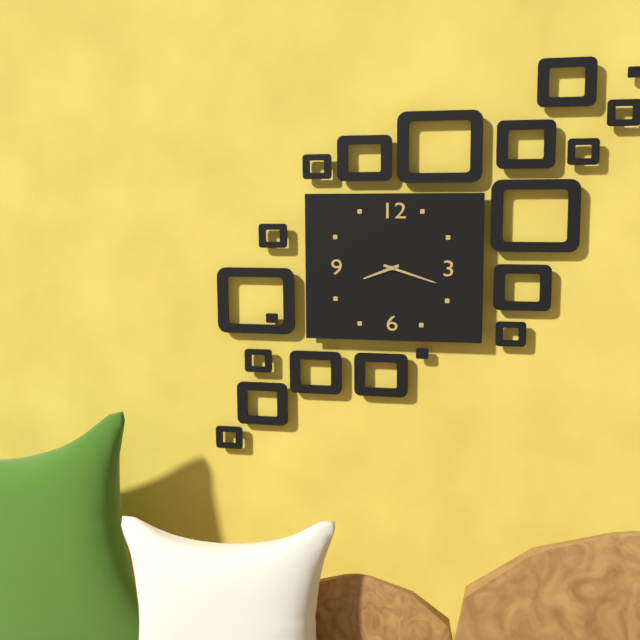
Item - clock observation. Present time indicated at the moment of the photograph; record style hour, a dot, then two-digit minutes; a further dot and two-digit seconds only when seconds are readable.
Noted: 8.18
